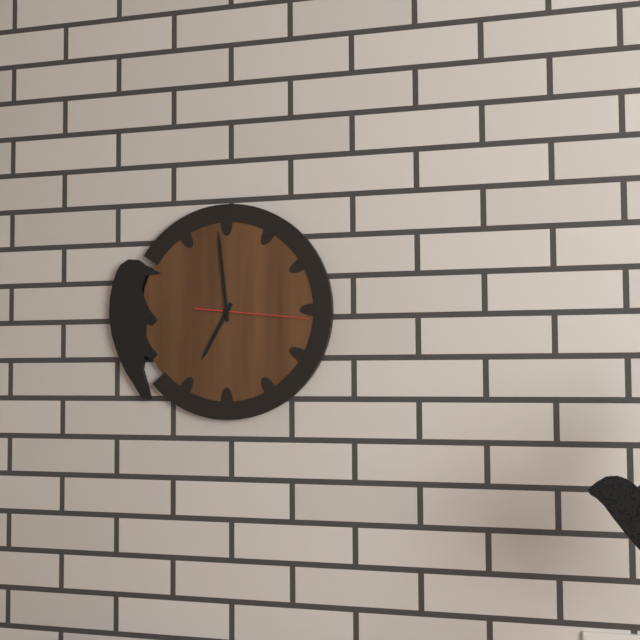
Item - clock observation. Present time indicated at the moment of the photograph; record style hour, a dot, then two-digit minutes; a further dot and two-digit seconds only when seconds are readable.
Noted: 6.59.16
